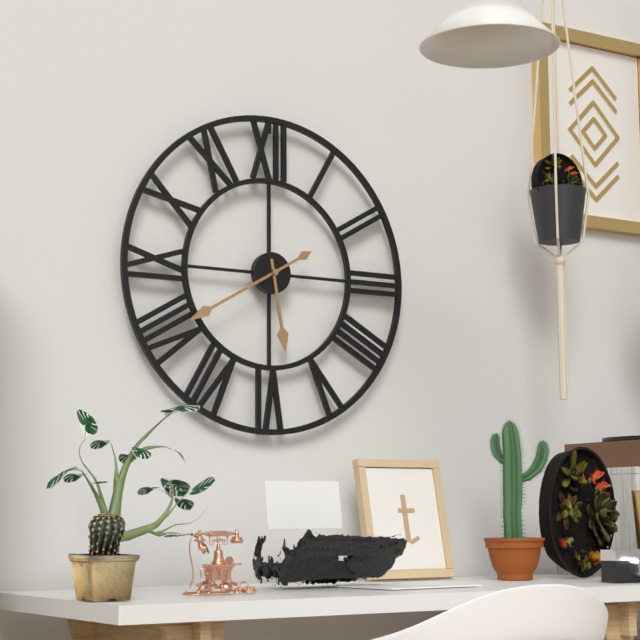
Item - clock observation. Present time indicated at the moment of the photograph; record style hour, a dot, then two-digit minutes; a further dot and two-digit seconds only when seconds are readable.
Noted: 5.40
